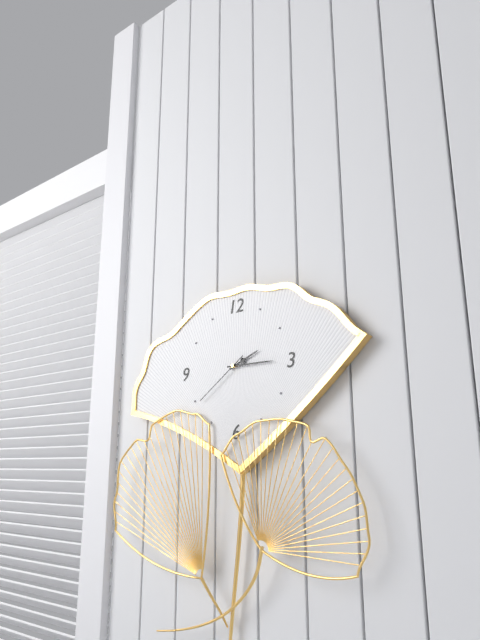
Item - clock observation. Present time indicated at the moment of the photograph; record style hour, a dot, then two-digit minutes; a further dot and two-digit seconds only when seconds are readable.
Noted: 2.15.39
